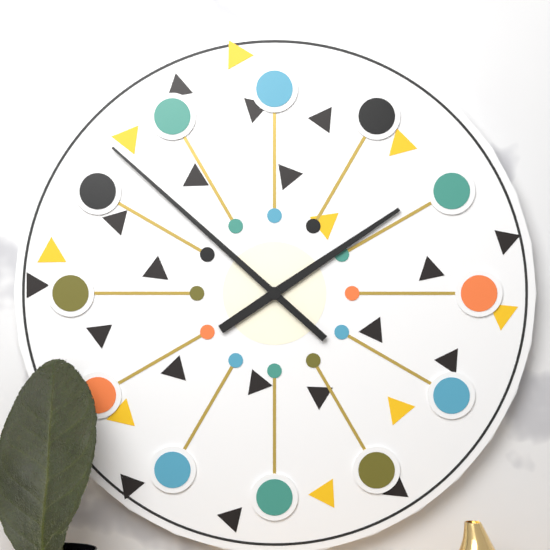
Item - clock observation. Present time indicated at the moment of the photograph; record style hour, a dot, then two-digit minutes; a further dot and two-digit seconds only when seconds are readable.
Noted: 1.52
